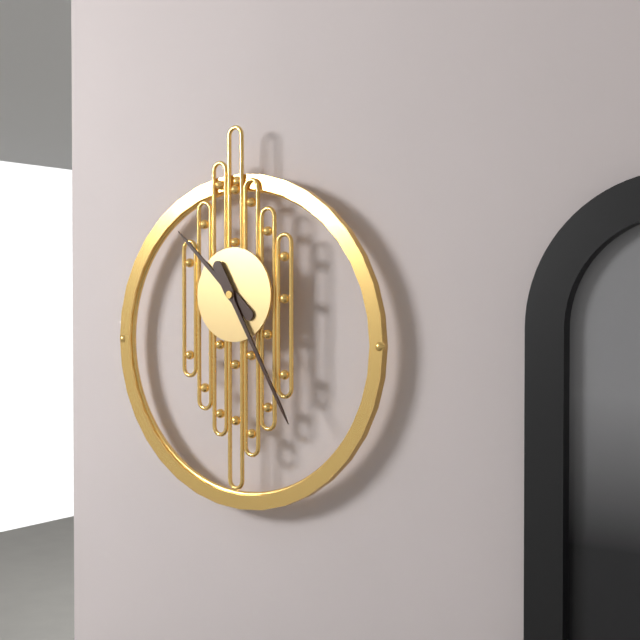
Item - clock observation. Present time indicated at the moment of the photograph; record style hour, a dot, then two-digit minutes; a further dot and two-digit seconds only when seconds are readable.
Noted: 10.25
